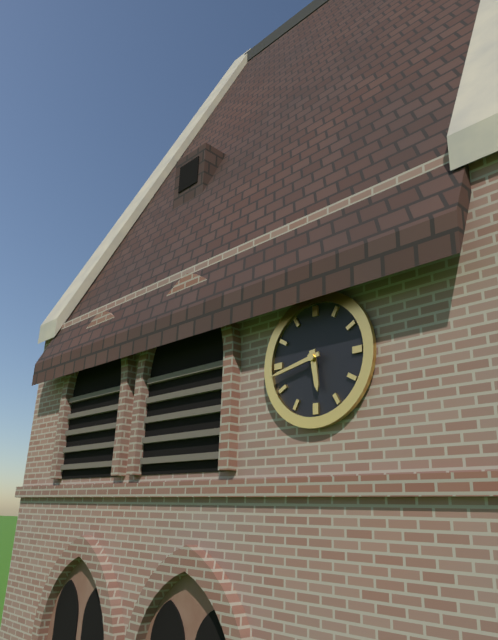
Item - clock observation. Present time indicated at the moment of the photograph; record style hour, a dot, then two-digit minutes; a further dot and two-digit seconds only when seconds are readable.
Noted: 5.43
